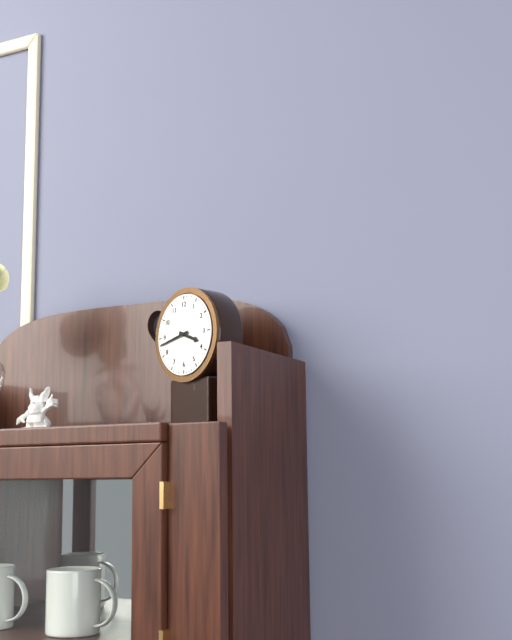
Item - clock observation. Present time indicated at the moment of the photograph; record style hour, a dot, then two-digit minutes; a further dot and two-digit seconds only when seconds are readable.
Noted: 3.43
